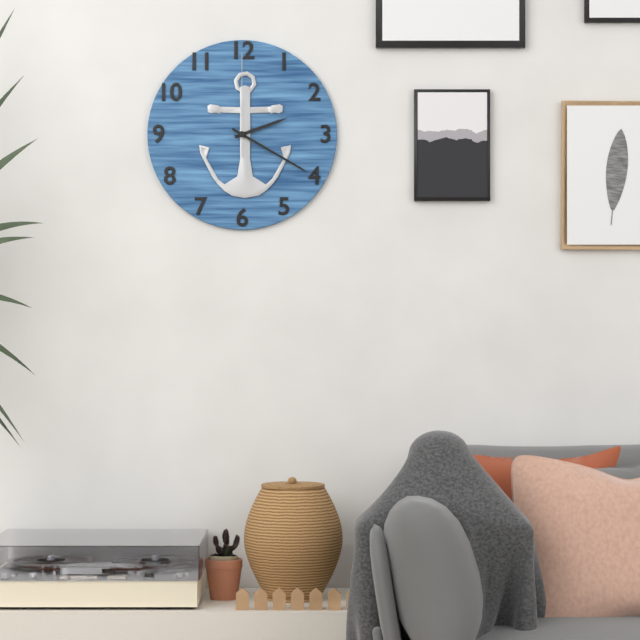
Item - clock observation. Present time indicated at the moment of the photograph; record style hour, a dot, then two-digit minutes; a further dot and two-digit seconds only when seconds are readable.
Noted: 2.20.00
